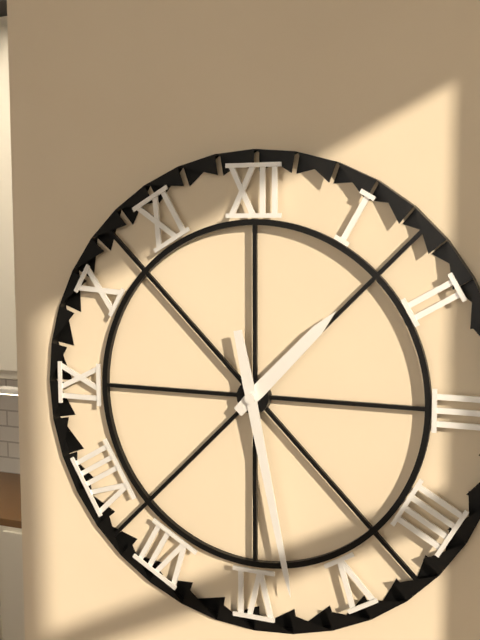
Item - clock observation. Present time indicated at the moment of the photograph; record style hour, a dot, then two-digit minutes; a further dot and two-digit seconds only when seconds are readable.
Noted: 1.28
